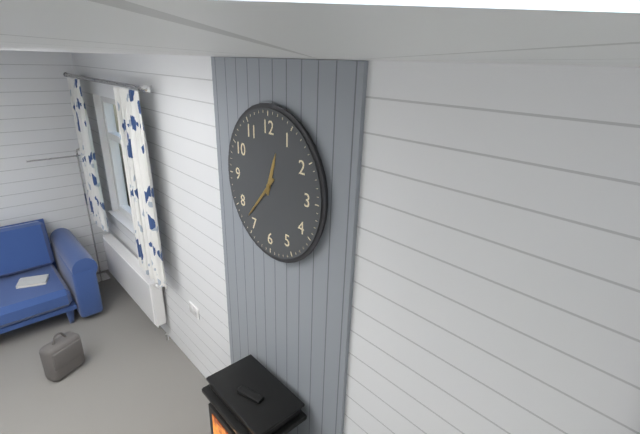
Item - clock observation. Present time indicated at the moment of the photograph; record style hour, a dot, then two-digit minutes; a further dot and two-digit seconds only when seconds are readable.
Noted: 12.37
